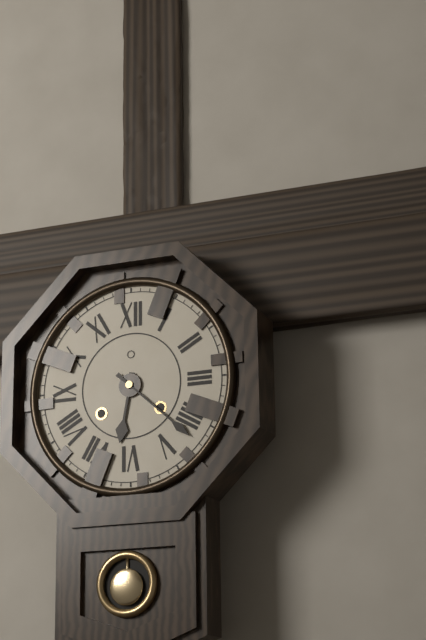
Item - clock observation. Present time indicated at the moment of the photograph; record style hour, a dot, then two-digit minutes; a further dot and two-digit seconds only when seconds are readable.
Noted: 6.22
